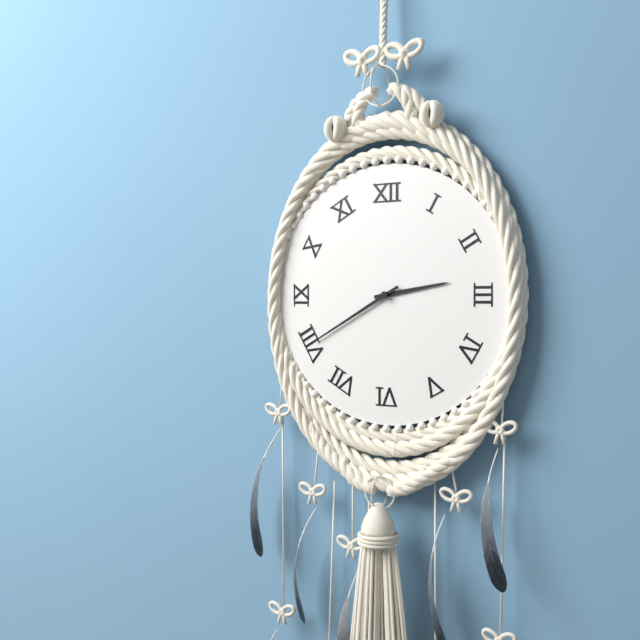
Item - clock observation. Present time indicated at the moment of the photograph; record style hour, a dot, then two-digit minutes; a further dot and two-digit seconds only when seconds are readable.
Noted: 2.40
